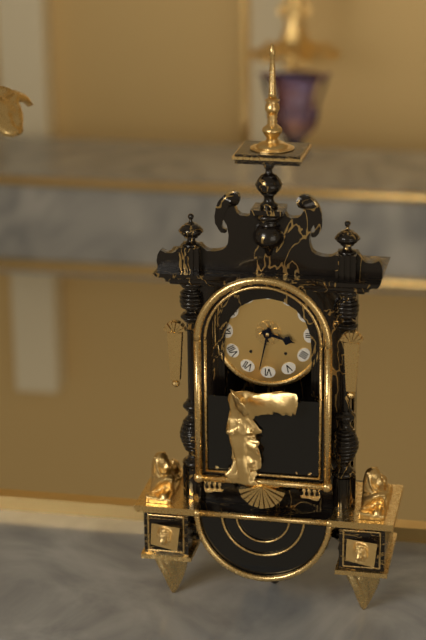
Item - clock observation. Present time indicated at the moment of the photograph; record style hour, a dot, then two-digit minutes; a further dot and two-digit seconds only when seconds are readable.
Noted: 3.32
